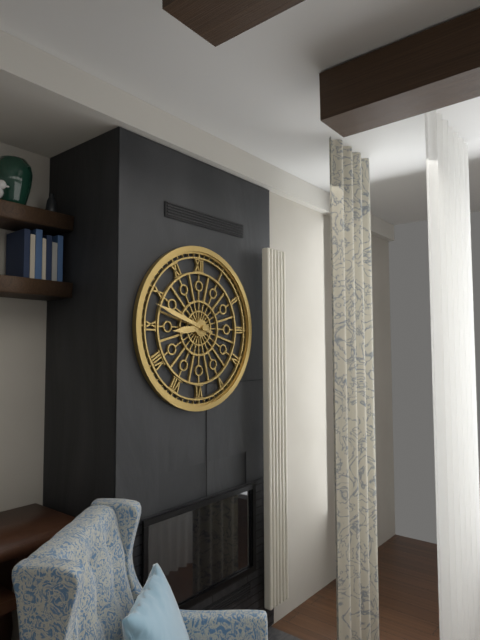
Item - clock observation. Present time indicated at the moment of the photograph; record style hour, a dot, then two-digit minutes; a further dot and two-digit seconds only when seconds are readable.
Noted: 8.48
